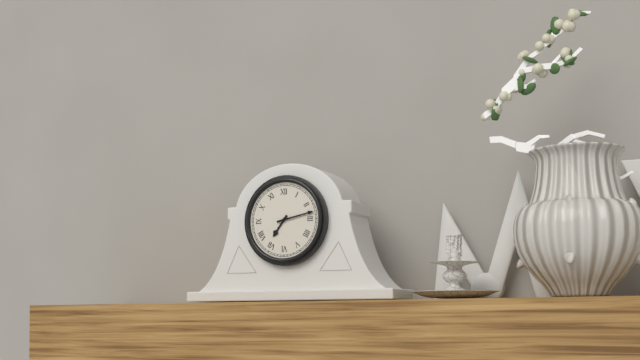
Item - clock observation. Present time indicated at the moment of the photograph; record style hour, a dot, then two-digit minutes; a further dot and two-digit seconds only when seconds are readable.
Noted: 7.13
